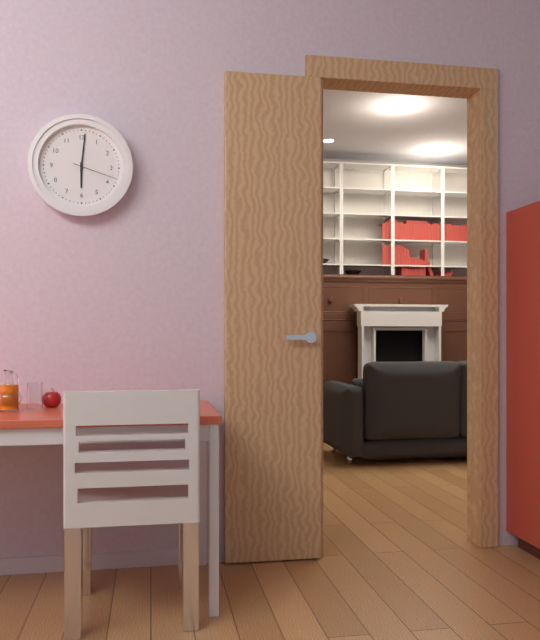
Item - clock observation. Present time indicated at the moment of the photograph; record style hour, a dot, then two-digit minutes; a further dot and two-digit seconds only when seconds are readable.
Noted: 6.01
